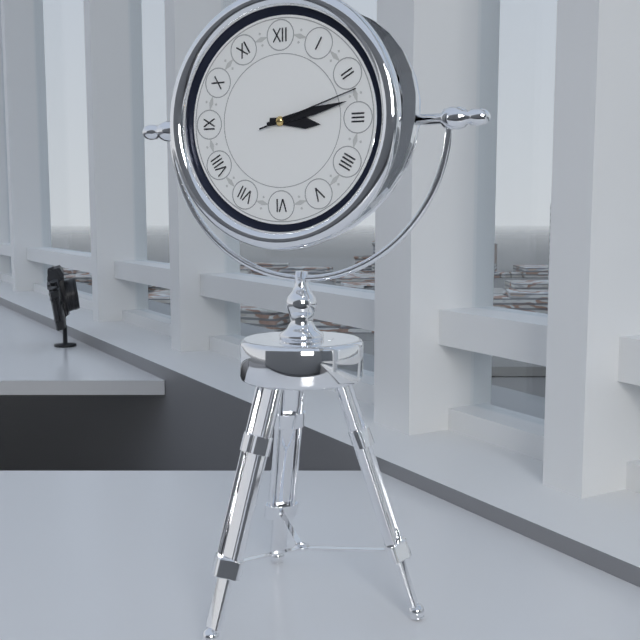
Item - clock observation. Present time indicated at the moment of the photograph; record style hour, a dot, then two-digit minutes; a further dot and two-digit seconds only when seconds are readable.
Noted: 3.13.12
